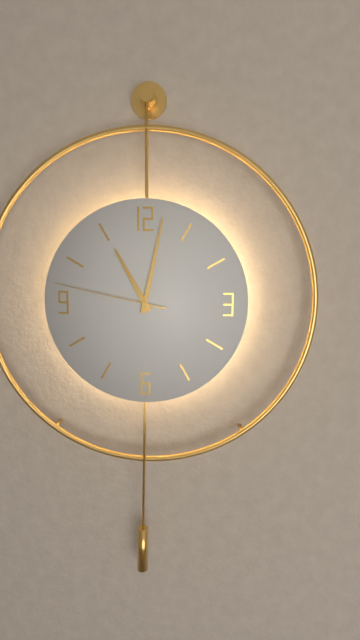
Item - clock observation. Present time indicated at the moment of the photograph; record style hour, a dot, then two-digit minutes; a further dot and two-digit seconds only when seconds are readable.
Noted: 11.02.47
